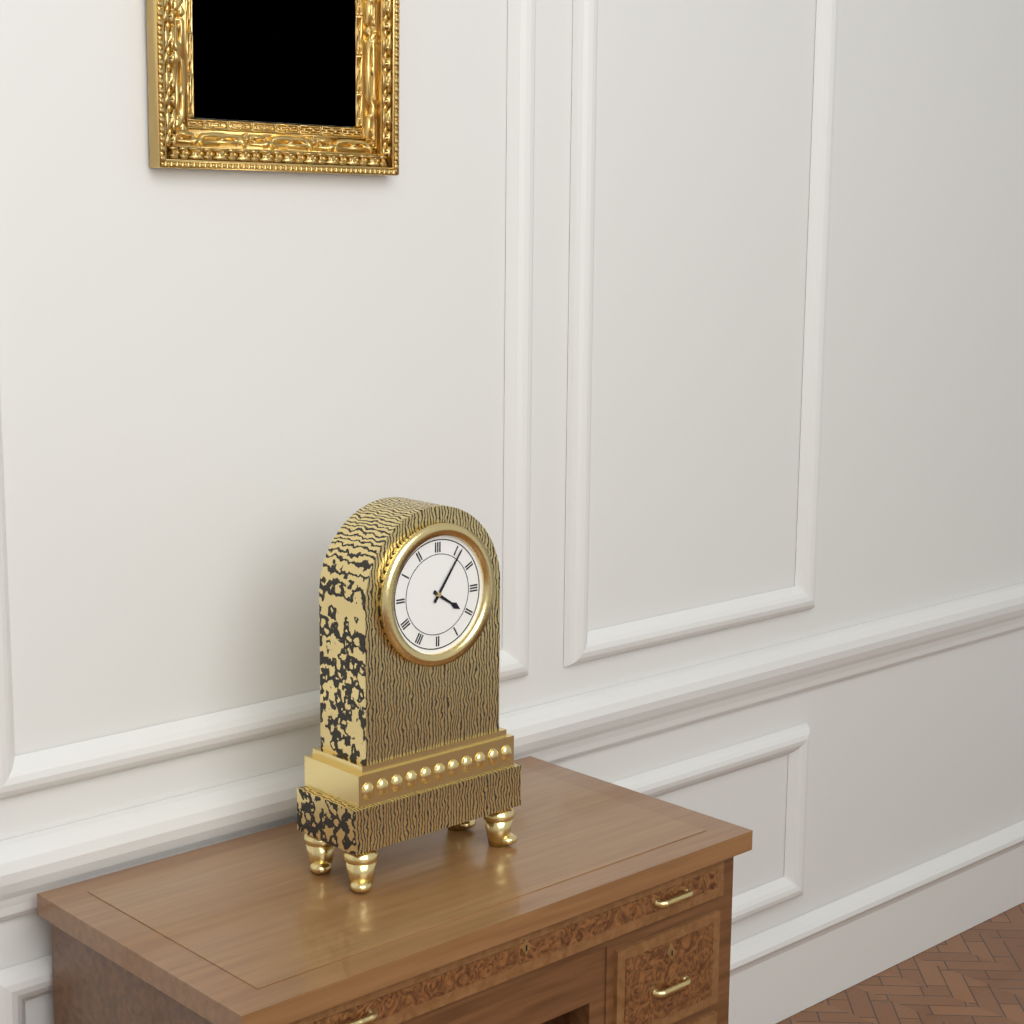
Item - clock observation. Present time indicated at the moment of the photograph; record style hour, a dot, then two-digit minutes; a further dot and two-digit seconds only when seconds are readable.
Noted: 4.06
